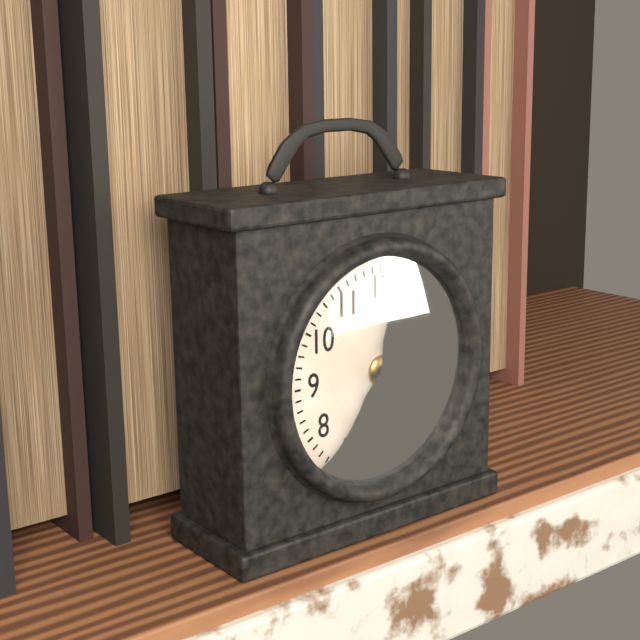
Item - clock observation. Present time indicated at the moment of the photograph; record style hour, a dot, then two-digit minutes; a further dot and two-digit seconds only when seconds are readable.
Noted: 2.14
